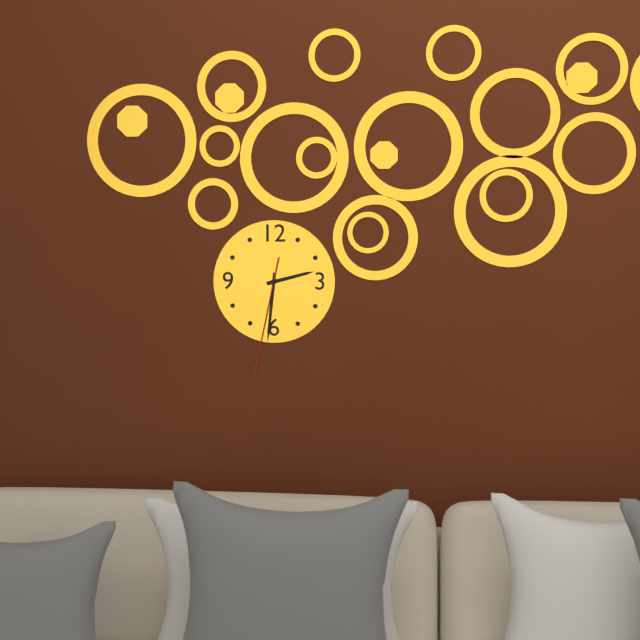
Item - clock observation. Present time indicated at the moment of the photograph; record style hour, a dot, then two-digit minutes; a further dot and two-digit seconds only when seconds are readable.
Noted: 2.31.32
